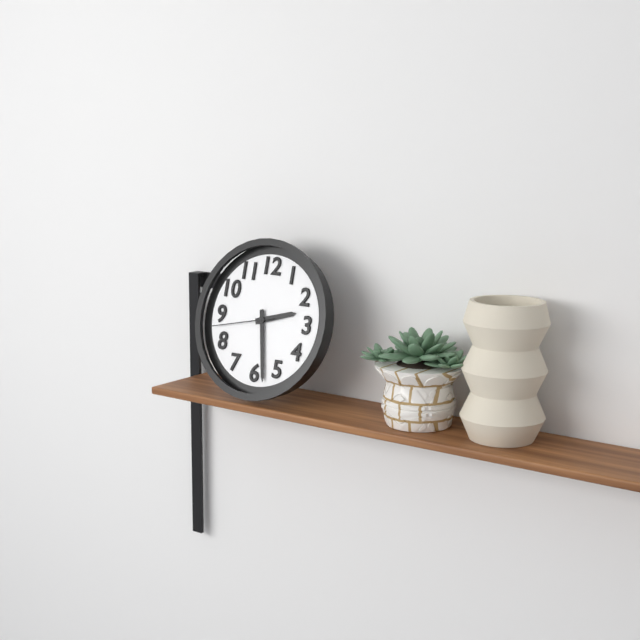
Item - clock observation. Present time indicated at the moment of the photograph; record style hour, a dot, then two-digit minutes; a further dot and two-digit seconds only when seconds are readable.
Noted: 2.28.43
